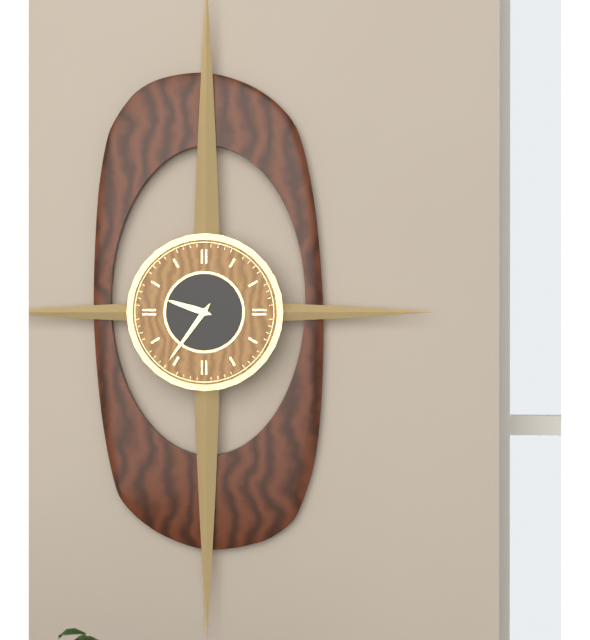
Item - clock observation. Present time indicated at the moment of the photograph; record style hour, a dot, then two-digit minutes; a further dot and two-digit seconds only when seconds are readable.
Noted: 9.36
